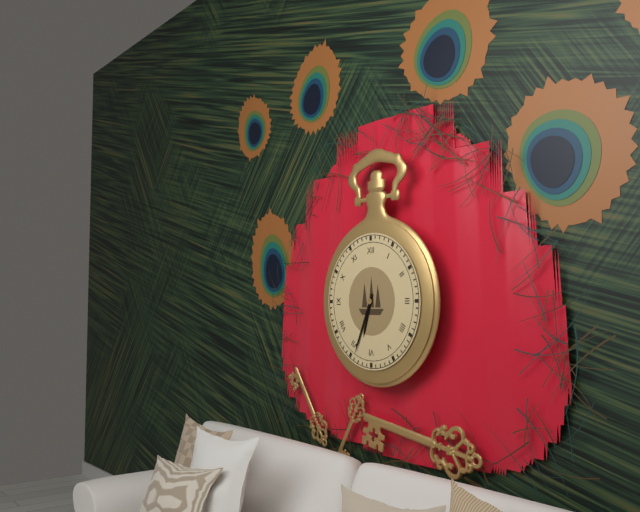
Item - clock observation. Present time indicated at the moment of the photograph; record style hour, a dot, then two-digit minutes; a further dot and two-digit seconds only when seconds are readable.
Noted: 6.34
